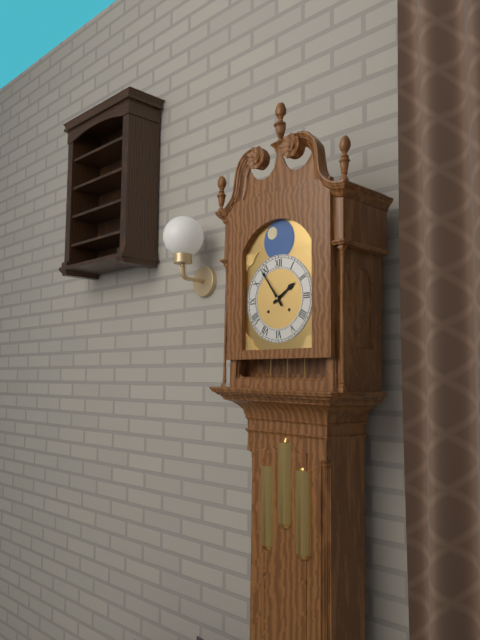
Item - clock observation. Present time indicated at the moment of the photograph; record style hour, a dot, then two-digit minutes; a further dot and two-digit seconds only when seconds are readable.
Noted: 1.54
